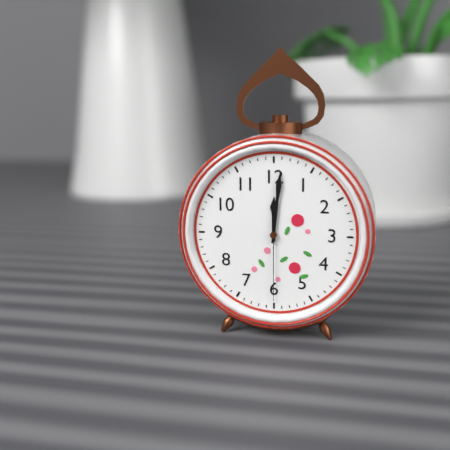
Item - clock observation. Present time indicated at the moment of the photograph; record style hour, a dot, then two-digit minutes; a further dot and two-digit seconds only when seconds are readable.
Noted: 12.01.30
